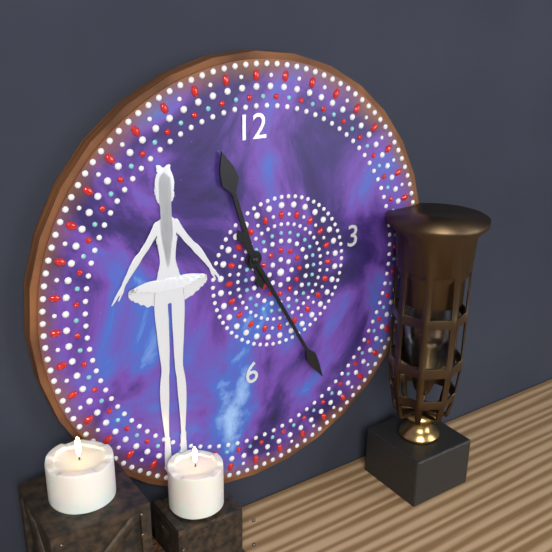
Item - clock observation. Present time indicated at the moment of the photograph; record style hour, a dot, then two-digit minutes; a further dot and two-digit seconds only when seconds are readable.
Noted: 11.25
